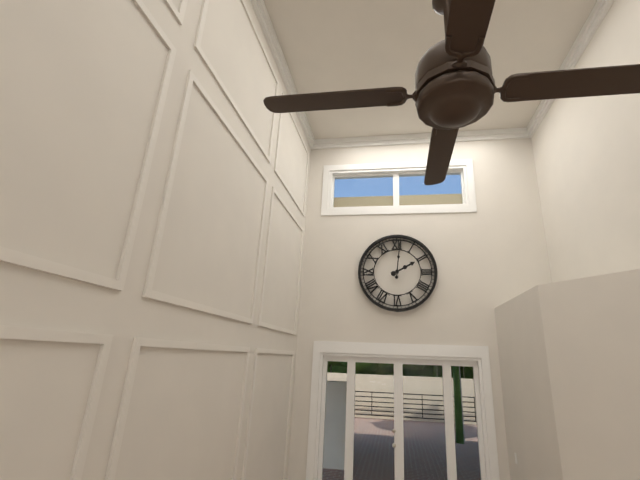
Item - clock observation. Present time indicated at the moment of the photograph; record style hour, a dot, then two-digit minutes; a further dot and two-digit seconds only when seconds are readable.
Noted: 2.01
